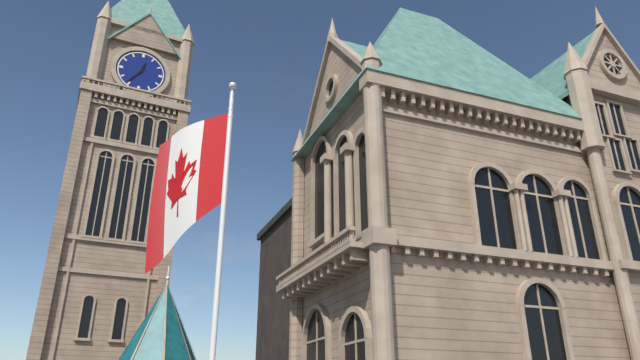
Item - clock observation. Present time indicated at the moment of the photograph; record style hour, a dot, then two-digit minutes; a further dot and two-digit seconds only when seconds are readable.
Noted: 12.36
